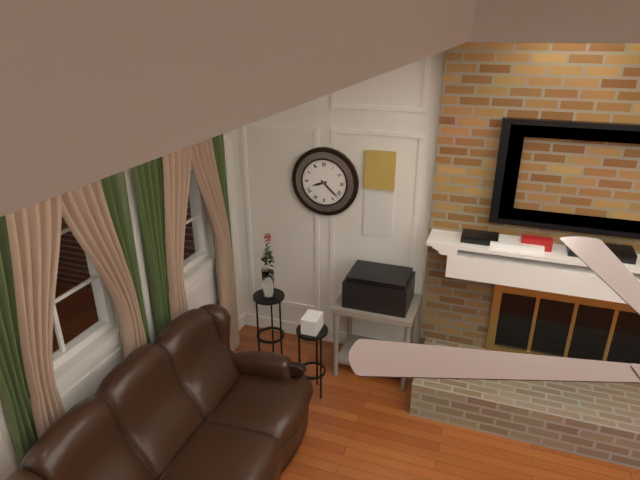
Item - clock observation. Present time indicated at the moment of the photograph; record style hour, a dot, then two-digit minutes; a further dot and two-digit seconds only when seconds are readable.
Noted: 8.22
